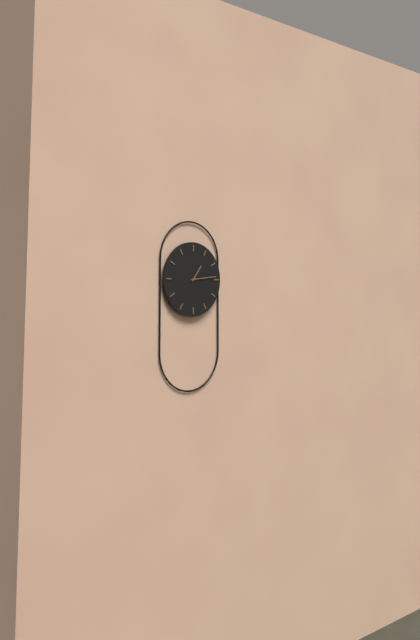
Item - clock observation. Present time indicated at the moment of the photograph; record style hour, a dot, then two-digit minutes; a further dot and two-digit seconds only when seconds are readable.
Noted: 1.14
